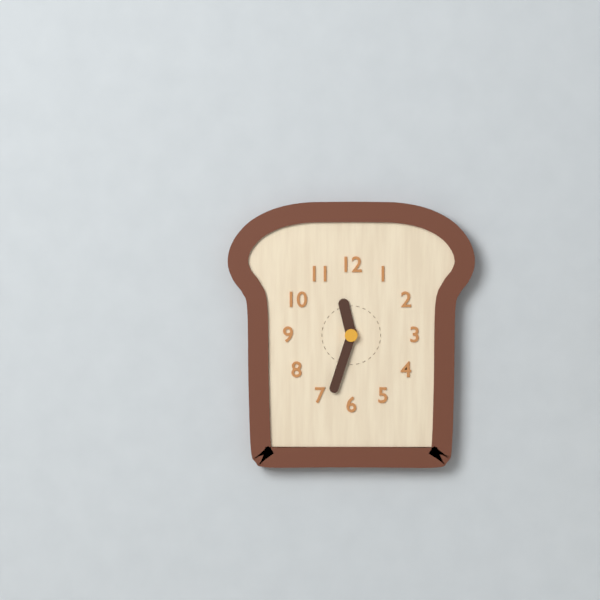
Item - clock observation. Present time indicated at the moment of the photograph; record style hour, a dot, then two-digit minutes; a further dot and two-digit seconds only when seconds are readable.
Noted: 11.33
